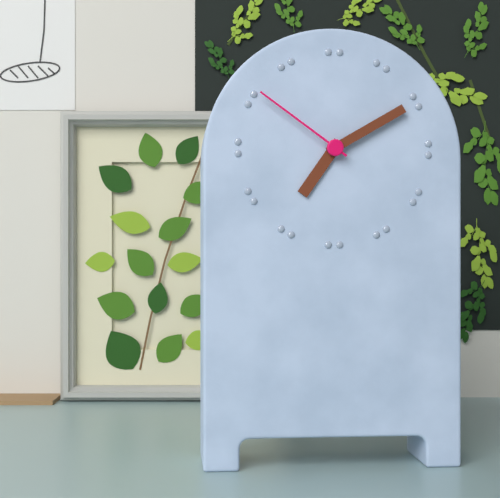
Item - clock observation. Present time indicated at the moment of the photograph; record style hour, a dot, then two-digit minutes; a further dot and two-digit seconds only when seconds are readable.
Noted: 7.10.51
